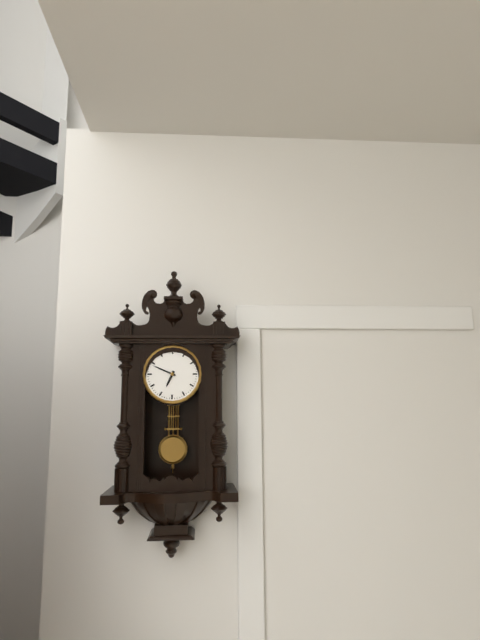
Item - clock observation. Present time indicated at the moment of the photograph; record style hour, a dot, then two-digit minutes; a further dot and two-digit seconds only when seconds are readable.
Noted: 6.49
